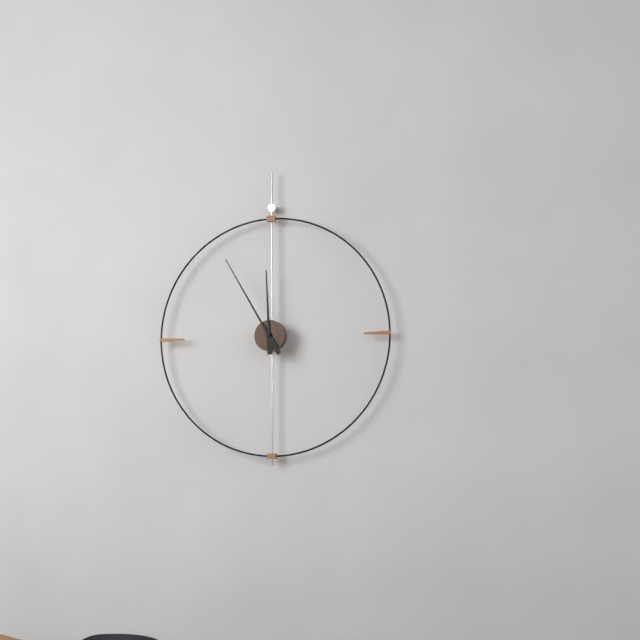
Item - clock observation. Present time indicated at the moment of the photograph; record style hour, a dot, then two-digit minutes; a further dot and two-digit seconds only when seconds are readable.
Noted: 11.55
